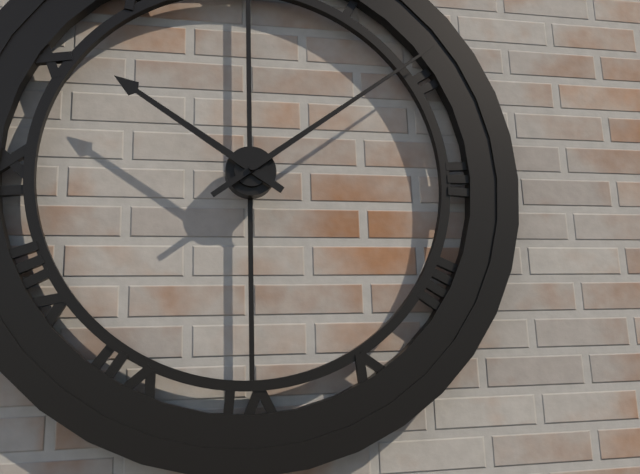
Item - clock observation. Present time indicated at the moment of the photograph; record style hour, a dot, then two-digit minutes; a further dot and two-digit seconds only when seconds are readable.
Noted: 10.09
